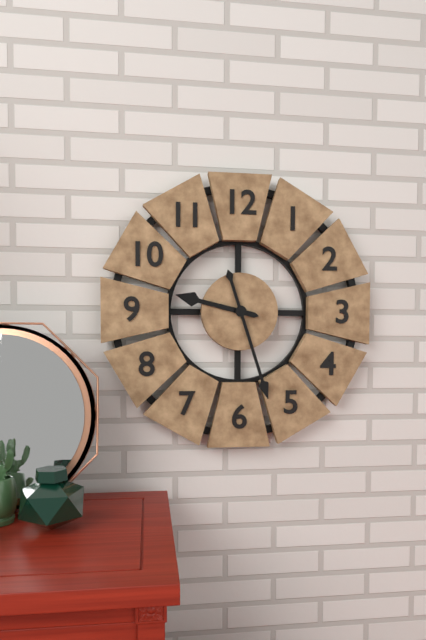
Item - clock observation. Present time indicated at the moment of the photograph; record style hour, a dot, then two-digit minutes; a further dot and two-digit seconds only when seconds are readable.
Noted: 9.27
